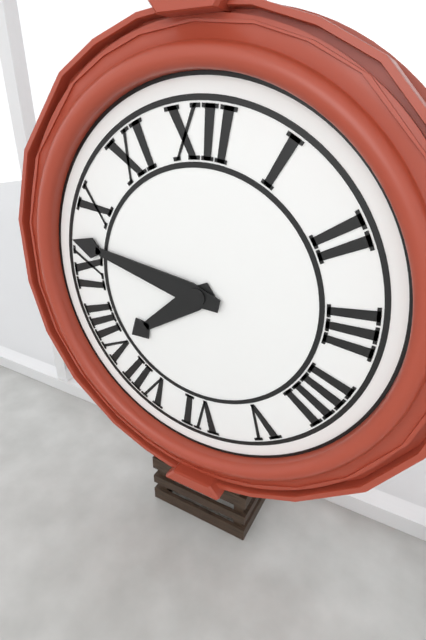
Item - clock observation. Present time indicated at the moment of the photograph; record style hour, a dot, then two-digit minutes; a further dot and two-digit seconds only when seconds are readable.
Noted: 7.47
